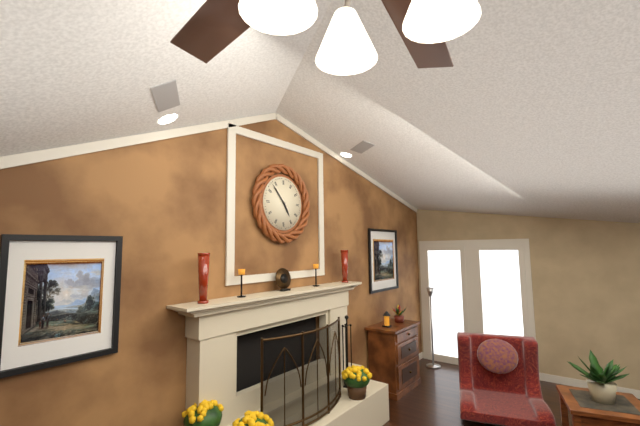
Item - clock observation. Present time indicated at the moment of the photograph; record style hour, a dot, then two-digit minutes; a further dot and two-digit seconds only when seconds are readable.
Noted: 4.53
